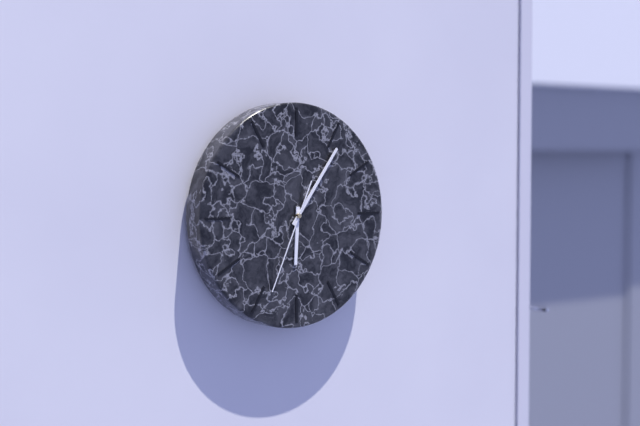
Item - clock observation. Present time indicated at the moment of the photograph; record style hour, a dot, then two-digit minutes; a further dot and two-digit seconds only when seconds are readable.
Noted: 6.06.34
